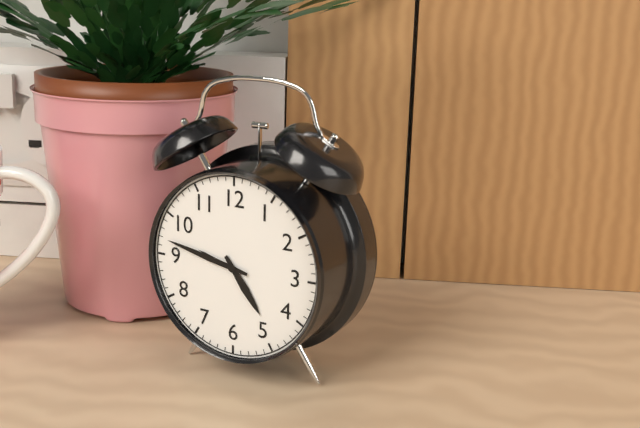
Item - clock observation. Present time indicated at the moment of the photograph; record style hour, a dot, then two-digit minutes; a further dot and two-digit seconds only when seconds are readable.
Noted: 4.47
